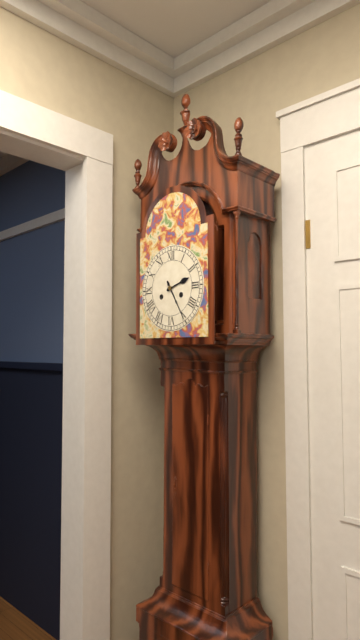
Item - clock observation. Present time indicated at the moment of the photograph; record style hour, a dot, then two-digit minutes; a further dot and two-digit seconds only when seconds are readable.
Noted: 2.25
